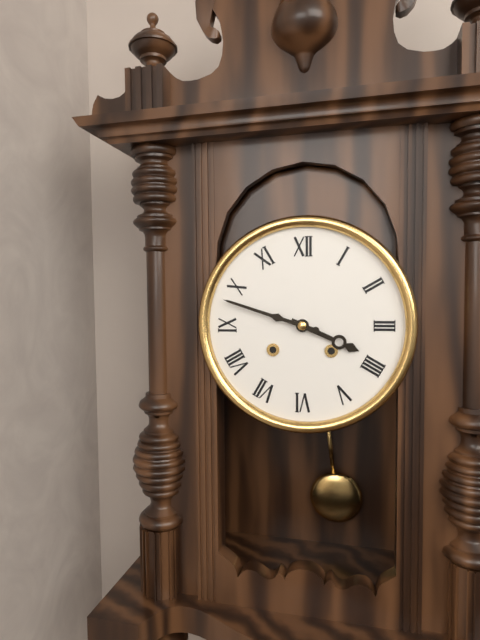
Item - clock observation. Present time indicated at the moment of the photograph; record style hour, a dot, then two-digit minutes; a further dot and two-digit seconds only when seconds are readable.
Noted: 3.48
